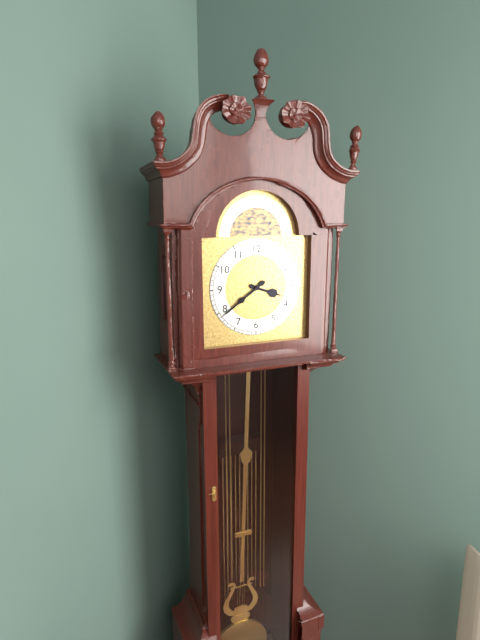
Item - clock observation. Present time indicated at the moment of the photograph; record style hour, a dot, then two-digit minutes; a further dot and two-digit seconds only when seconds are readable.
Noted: 3.39
